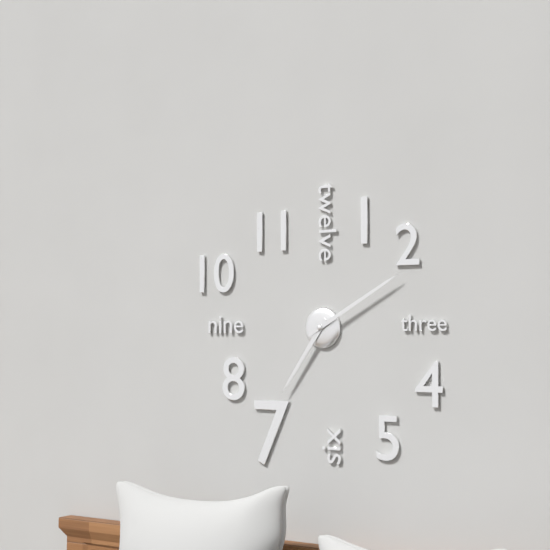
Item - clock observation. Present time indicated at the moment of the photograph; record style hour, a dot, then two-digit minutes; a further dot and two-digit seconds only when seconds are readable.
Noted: 7.10
